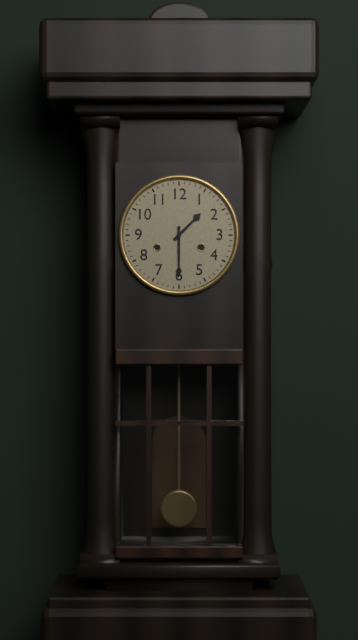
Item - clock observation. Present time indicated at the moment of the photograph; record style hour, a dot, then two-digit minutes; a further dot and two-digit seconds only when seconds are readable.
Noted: 1.30
